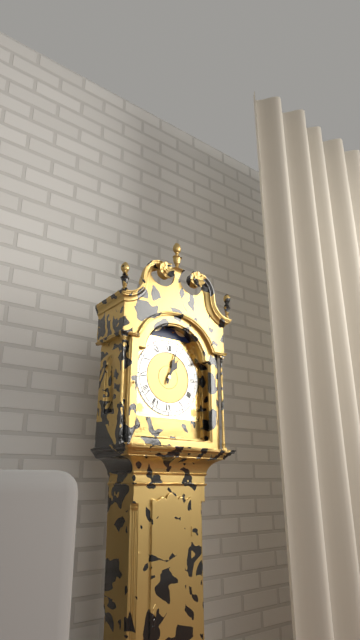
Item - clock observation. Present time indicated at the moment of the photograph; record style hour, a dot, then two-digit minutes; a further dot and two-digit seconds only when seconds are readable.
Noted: 1.03
